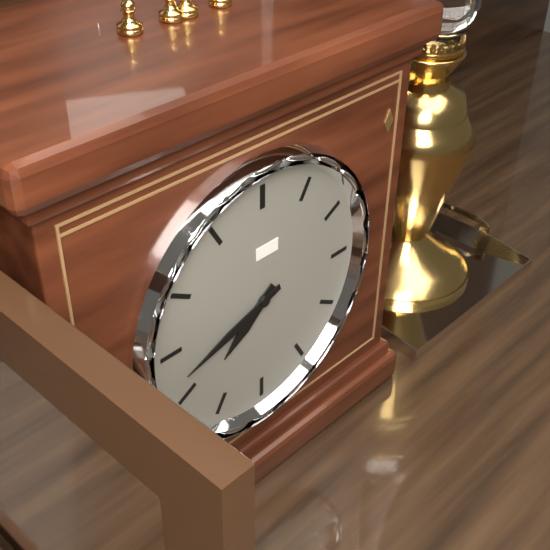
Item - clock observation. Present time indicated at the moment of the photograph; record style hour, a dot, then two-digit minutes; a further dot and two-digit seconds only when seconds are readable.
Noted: 7.42
